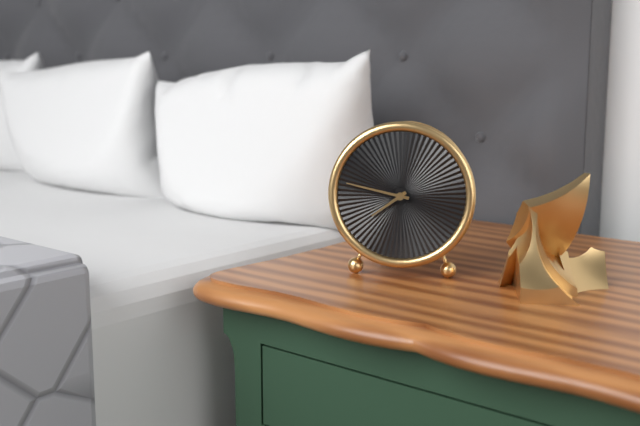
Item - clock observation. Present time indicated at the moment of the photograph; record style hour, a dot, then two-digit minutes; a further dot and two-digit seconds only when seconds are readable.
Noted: 7.47
